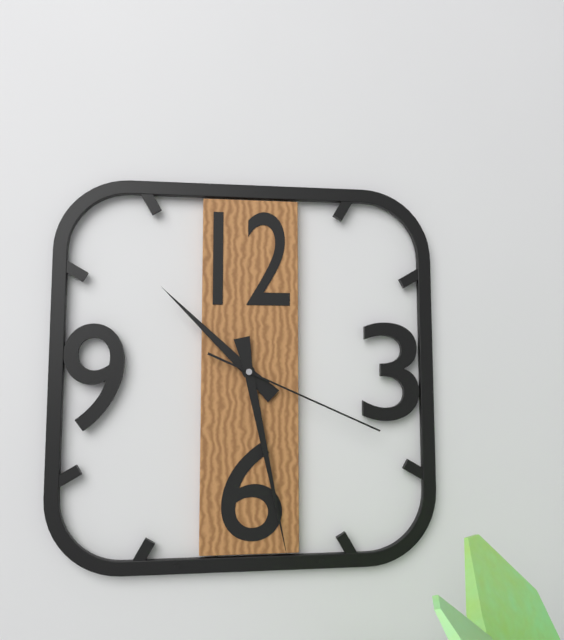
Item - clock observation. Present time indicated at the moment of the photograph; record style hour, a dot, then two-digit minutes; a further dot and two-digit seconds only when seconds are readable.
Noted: 10.28.19
